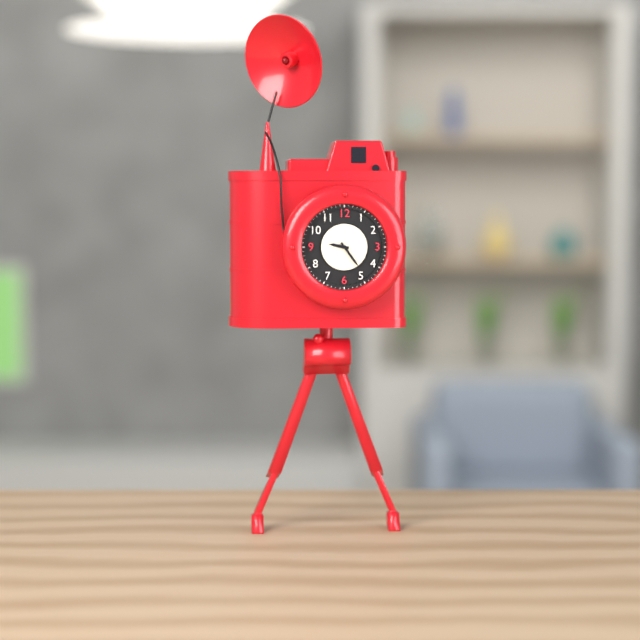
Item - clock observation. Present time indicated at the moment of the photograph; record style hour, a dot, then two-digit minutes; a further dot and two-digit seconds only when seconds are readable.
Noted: 9.24
